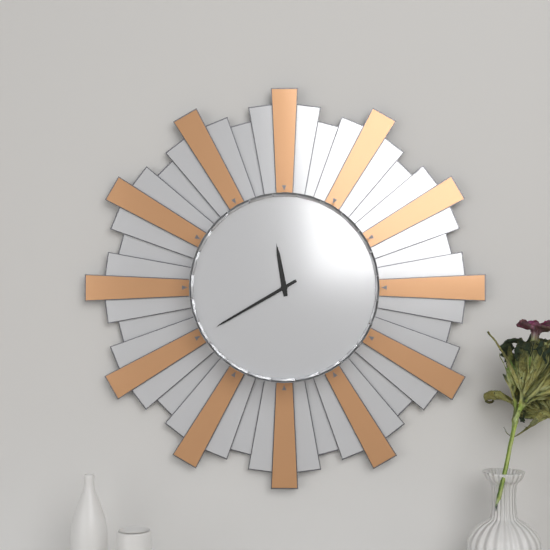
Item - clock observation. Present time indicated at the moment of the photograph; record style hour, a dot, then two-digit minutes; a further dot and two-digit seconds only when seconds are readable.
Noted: 11.40
